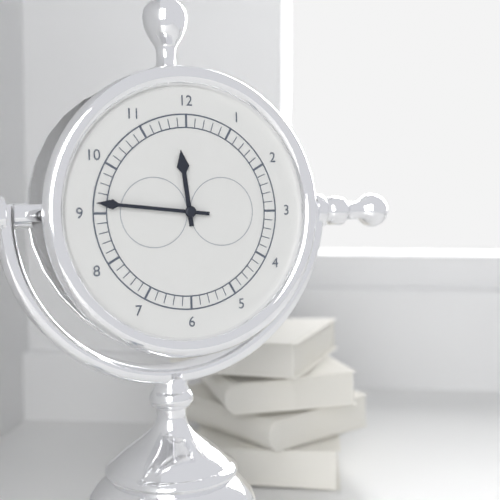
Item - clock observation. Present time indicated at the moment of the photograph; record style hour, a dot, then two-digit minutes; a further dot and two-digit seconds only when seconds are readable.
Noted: 11.46
